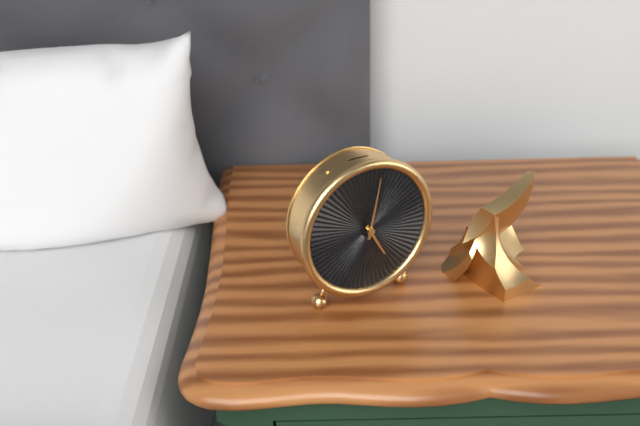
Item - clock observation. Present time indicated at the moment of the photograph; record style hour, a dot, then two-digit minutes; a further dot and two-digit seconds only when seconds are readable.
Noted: 5.02
